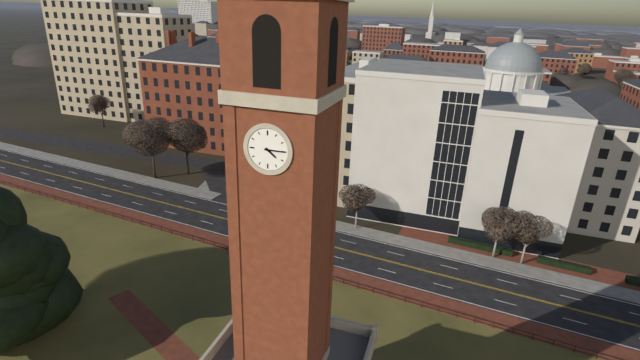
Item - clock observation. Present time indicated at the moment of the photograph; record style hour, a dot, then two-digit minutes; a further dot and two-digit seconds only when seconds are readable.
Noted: 4.15
